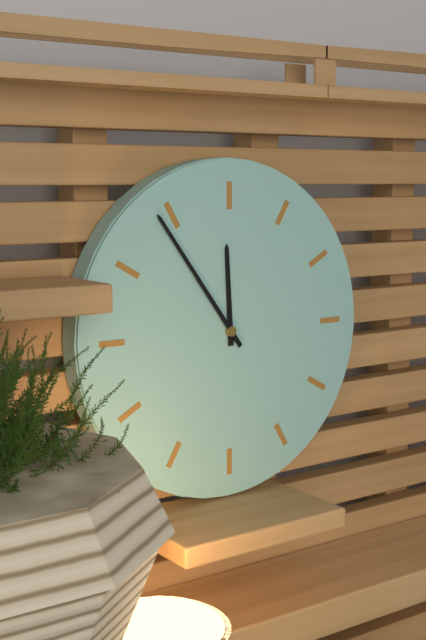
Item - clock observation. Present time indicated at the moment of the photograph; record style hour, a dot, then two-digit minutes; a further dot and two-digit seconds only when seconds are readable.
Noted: 11.54
